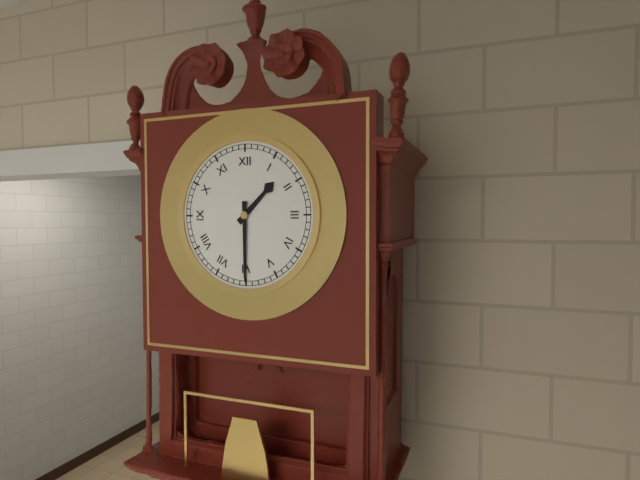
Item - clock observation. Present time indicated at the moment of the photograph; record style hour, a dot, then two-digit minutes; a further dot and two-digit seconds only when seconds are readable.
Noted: 1.30
